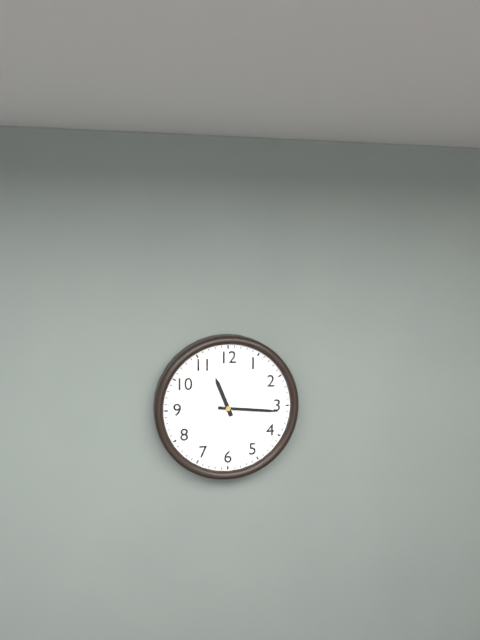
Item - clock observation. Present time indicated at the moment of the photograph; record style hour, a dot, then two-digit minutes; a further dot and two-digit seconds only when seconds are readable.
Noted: 11.16
